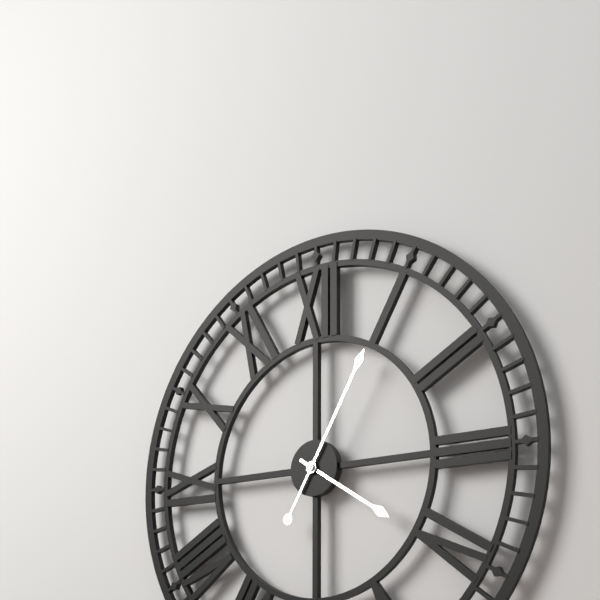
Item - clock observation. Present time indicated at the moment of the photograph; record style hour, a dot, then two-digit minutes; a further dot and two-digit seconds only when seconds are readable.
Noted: 4.05
